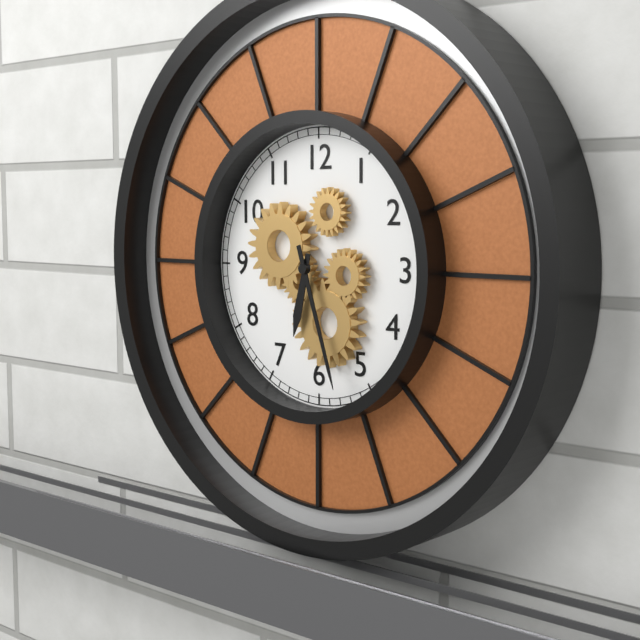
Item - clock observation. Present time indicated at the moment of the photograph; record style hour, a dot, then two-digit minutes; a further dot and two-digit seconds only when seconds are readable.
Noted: 6.27
